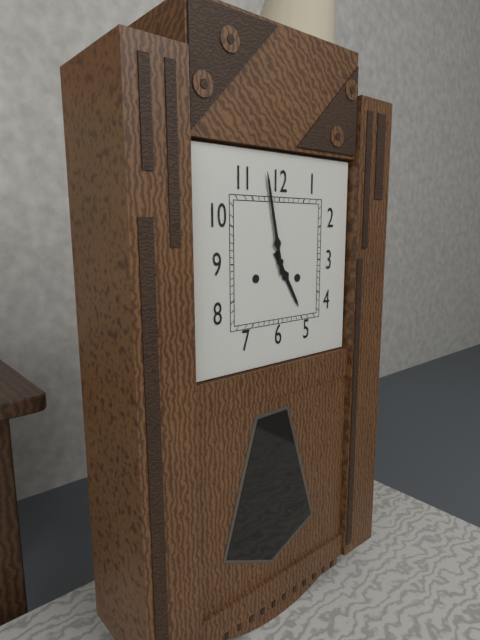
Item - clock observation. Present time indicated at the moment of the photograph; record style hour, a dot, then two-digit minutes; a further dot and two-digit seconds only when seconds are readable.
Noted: 4.58
